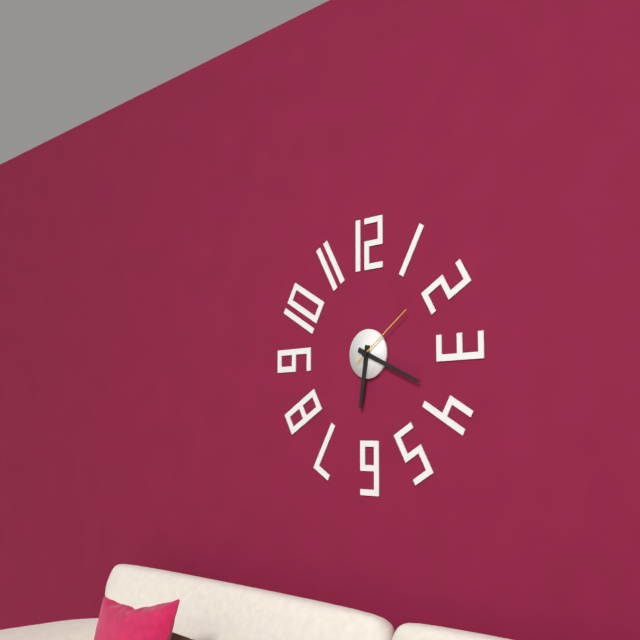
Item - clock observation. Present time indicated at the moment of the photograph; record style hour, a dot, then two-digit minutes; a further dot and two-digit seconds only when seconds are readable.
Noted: 6.19.09
